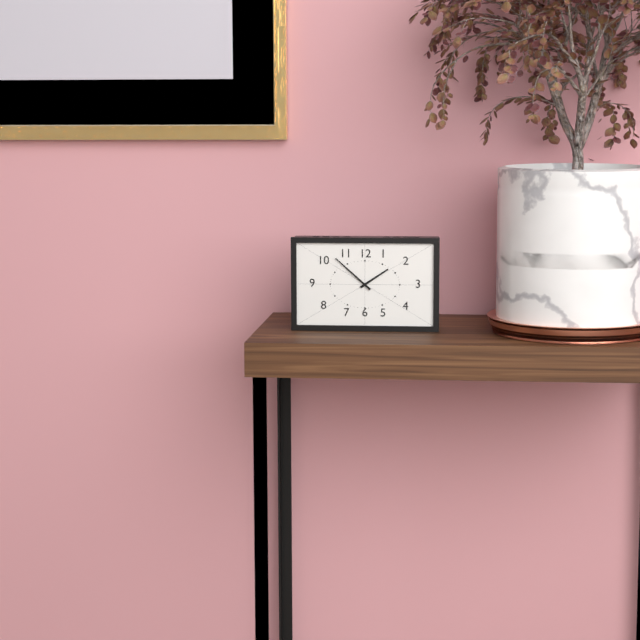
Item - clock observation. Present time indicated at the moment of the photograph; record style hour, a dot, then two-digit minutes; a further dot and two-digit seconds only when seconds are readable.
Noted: 1.52
